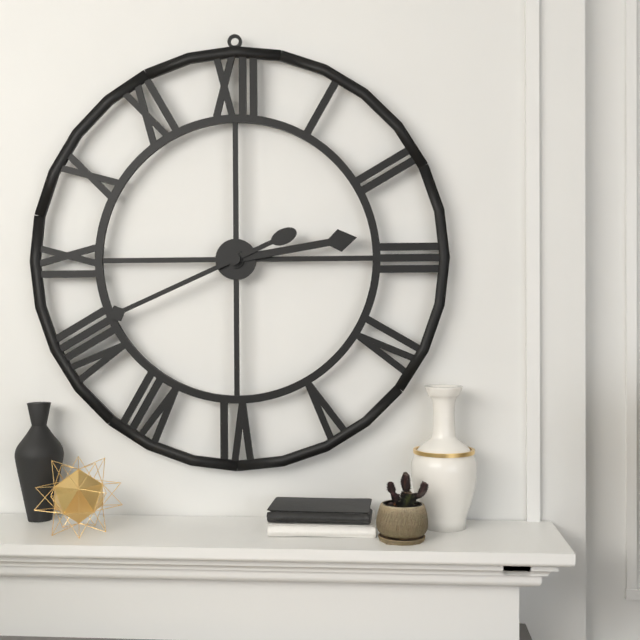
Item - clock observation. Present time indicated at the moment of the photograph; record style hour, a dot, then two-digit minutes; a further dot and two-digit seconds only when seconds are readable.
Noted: 2.41
